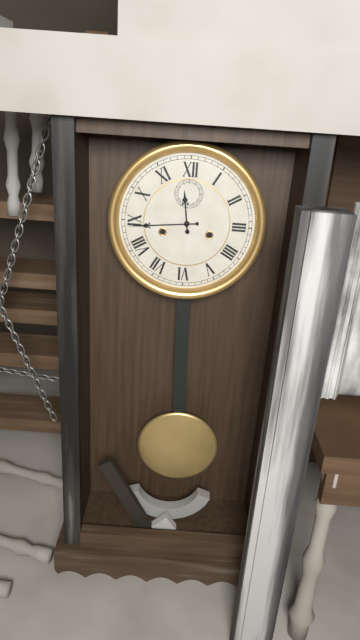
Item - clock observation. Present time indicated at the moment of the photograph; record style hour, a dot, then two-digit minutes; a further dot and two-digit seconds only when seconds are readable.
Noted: 11.44
